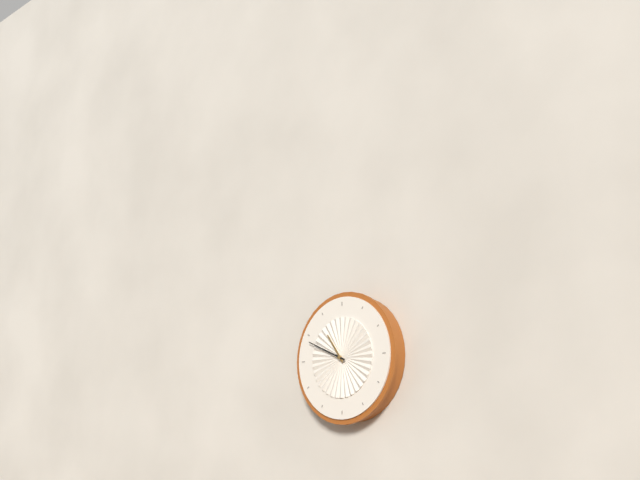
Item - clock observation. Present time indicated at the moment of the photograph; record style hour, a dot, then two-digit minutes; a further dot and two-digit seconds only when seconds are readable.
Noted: 10.49
